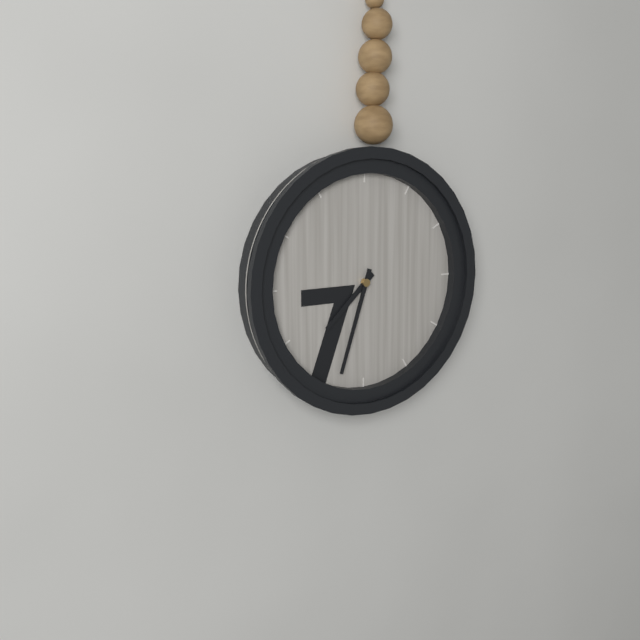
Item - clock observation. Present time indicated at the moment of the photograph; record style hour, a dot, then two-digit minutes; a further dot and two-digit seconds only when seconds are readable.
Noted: 7.33
